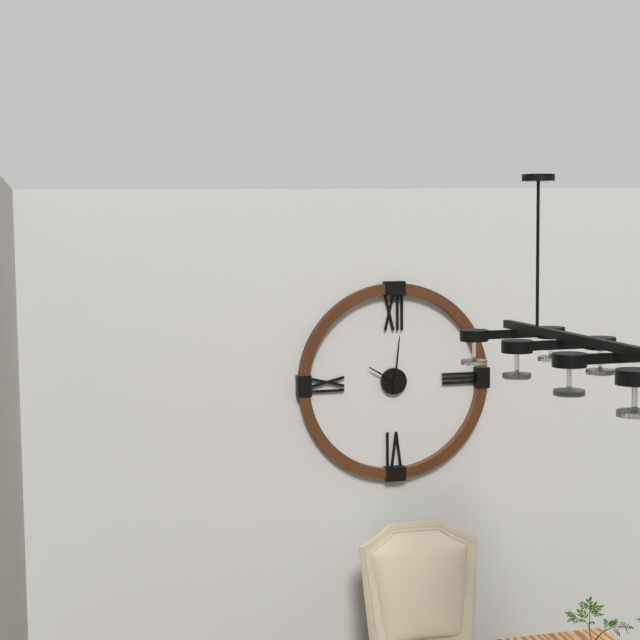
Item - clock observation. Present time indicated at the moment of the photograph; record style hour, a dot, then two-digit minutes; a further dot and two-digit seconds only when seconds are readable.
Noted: 10.01
